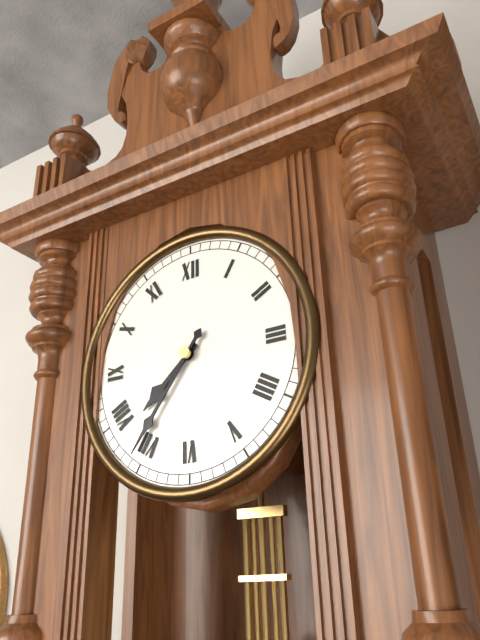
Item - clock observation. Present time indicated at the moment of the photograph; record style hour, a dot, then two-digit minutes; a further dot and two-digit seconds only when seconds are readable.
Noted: 7.36
